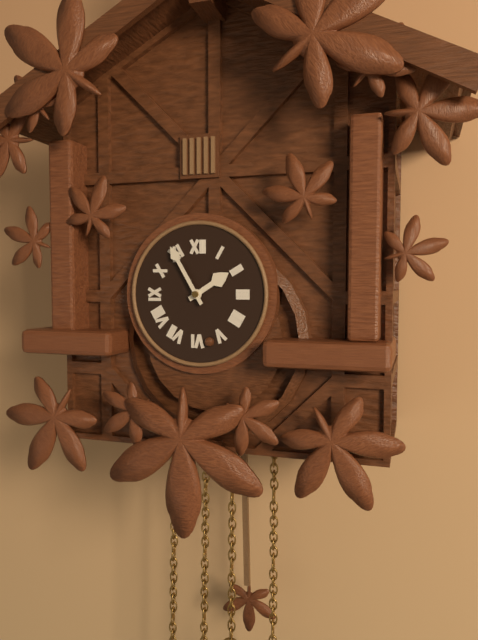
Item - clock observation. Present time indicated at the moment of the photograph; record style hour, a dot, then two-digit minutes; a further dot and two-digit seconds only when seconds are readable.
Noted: 1.55
